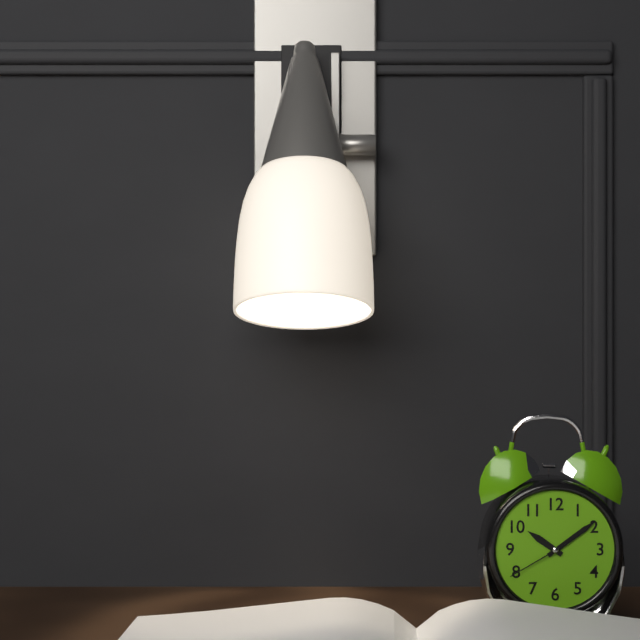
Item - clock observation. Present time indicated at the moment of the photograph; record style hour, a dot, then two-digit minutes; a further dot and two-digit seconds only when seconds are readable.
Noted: 10.09.40
